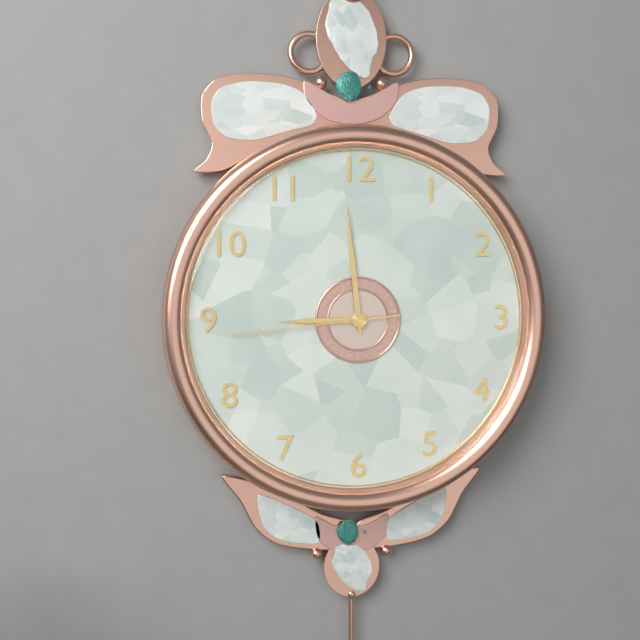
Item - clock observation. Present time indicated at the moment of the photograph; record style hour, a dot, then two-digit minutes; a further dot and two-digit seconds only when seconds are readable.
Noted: 8.59.44
